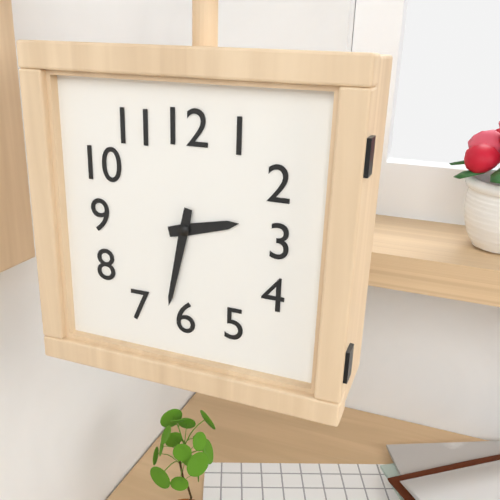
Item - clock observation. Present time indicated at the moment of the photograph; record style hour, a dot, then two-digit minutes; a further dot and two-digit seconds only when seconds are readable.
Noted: 2.32
